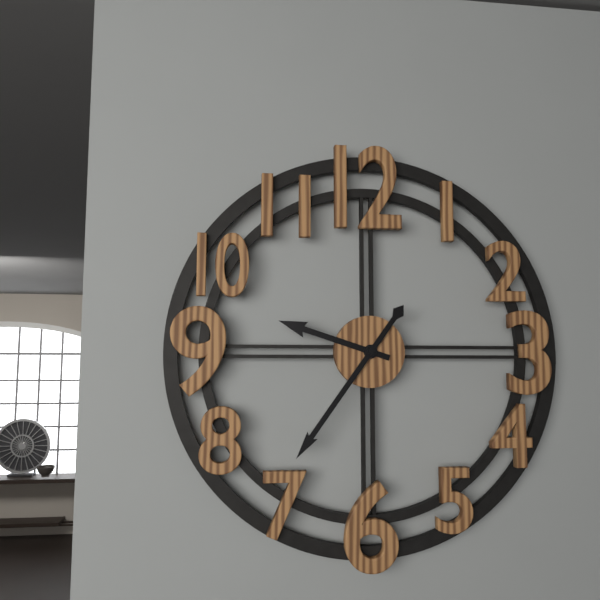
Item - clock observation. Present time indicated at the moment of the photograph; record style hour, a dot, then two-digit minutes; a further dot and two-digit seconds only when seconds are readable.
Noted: 9.36
